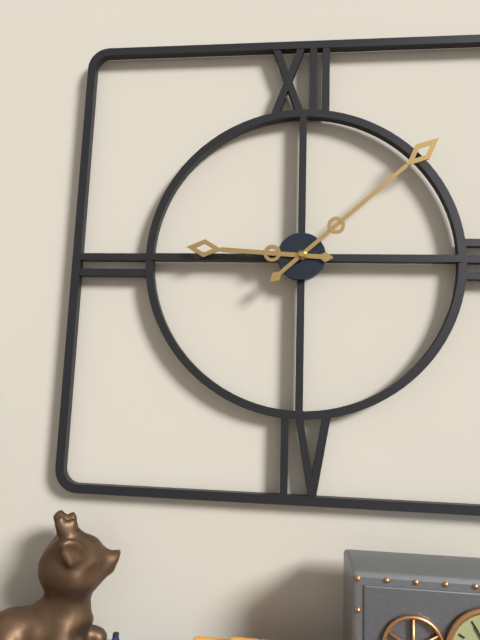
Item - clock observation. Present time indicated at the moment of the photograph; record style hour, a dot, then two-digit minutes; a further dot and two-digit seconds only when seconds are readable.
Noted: 9.08
